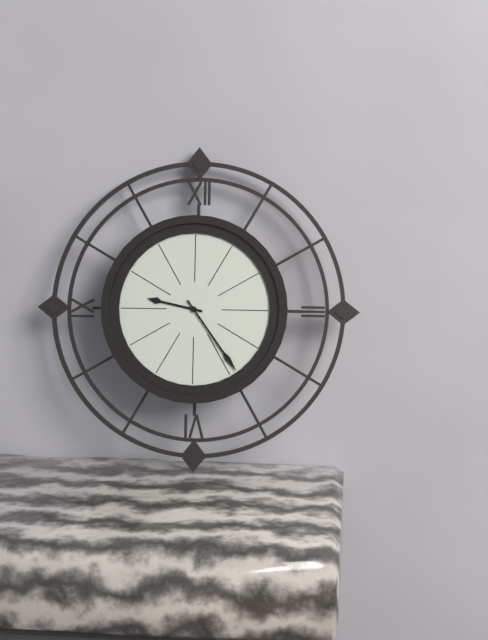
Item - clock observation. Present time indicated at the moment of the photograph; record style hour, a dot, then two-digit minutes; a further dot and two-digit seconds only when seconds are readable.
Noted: 9.24
